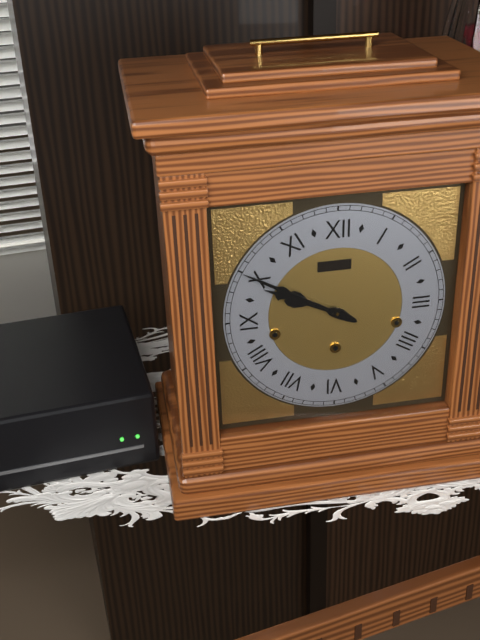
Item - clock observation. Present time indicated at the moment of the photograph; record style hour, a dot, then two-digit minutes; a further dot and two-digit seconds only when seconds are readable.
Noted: 9.50
